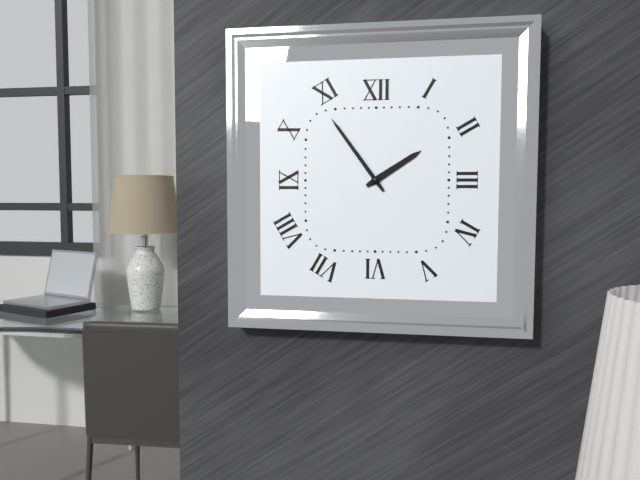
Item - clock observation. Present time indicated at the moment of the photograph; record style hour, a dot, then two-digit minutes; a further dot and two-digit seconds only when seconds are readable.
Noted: 1.54
